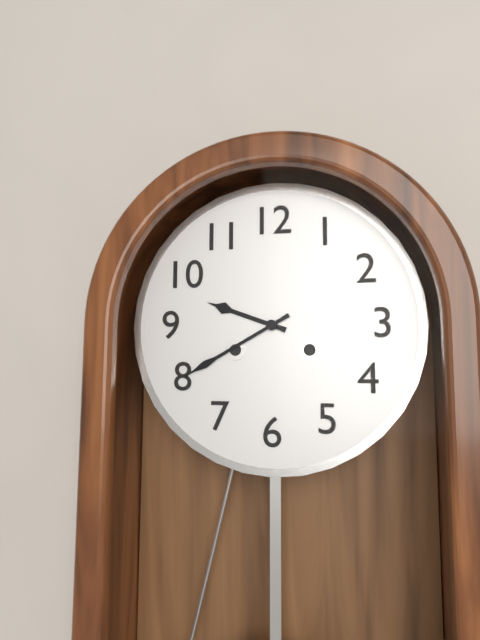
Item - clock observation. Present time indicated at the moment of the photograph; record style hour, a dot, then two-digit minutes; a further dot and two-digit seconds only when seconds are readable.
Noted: 9.40
